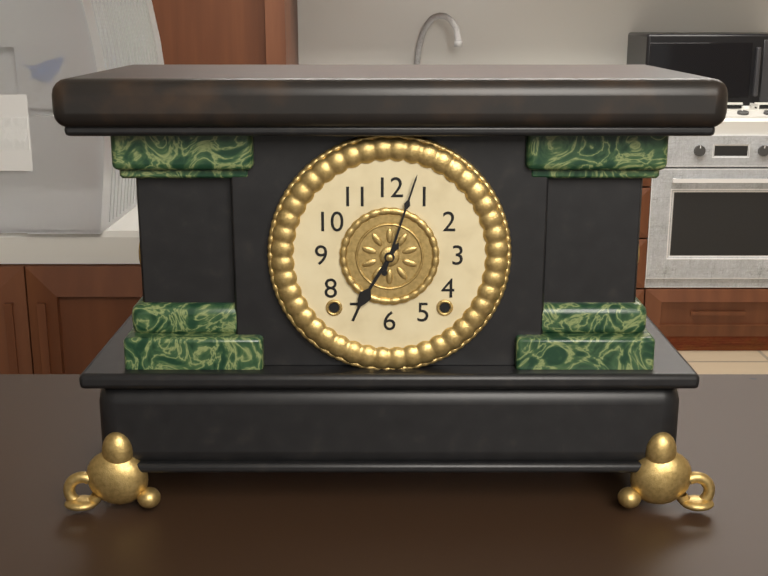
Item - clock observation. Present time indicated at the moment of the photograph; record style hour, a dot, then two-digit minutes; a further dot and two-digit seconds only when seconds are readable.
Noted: 7.03
